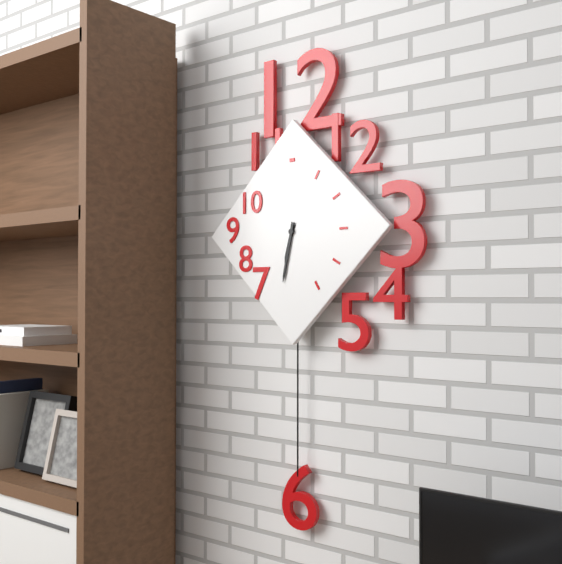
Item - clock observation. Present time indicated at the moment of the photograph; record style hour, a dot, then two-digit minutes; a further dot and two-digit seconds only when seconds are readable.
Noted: 6.32
